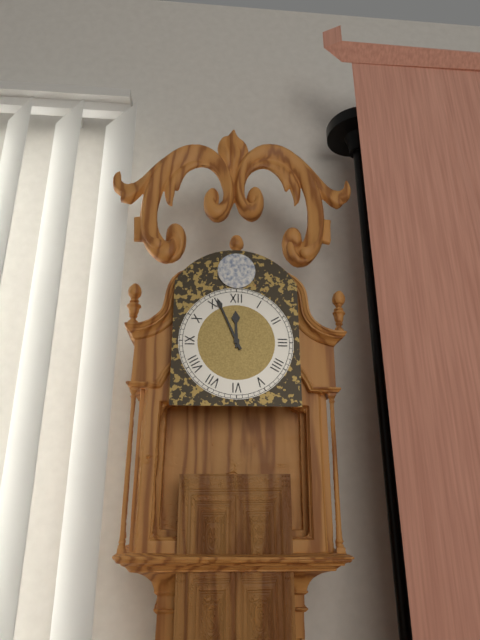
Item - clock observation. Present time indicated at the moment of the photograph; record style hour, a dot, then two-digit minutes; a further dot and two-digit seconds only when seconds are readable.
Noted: 11.56
